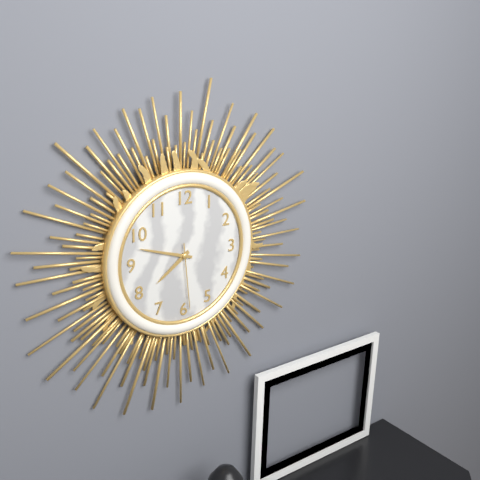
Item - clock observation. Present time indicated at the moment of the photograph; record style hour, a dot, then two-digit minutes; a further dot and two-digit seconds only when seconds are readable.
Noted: 7.48.29
